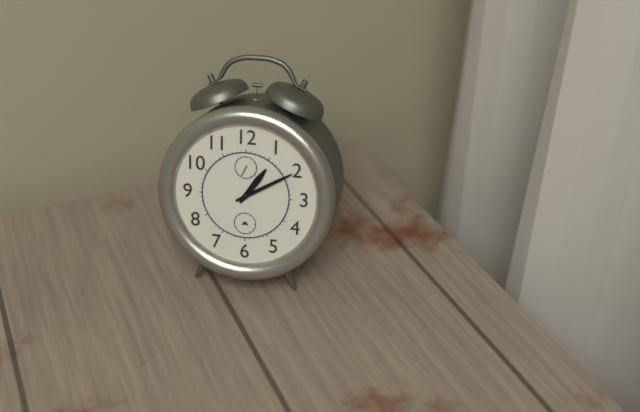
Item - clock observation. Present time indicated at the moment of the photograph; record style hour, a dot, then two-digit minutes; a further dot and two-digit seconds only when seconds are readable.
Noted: 1.10
